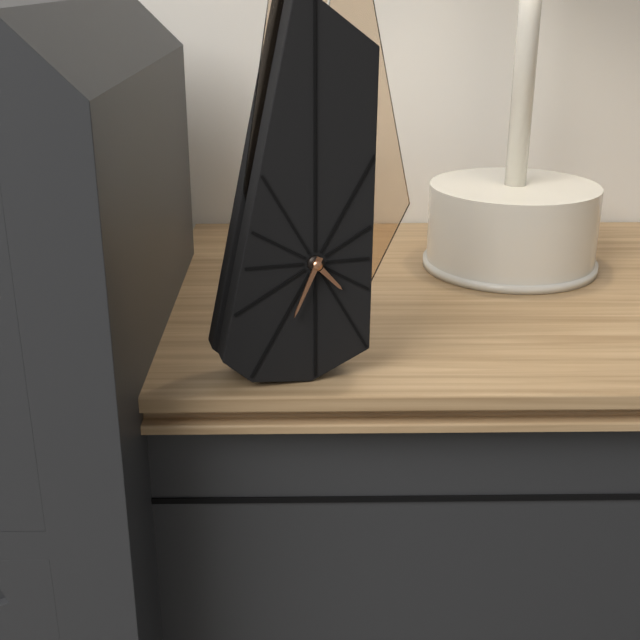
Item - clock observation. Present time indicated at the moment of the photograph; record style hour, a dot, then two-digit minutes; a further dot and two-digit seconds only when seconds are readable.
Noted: 4.34
